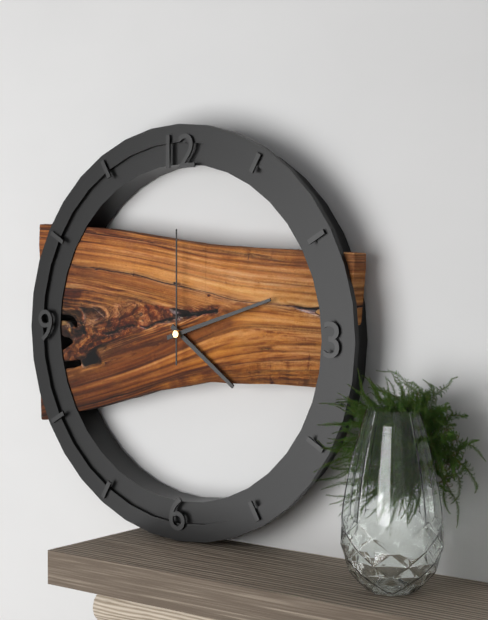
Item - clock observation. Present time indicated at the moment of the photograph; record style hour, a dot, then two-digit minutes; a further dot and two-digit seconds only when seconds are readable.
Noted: 4.12.00
